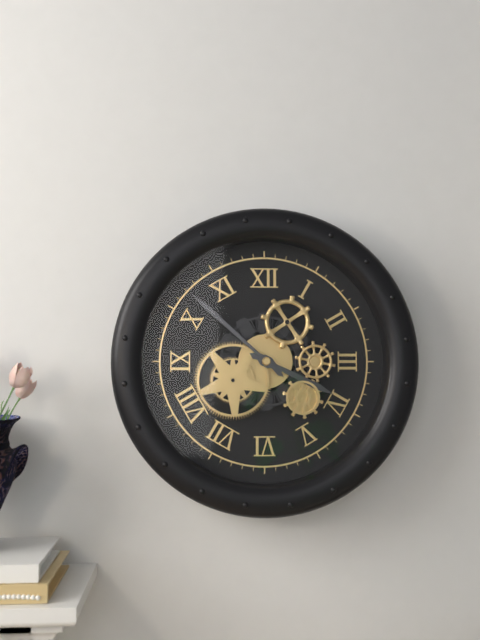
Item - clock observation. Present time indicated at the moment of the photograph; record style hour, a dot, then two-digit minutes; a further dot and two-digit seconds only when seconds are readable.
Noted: 3.52
